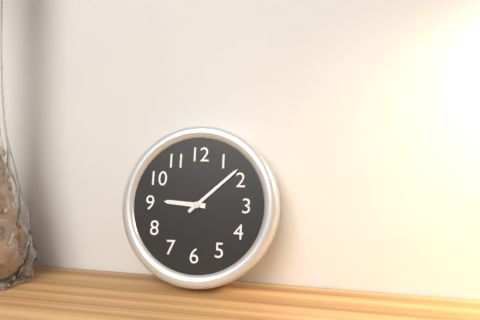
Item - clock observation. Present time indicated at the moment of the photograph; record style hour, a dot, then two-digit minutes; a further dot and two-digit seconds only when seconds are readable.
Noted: 9.08
